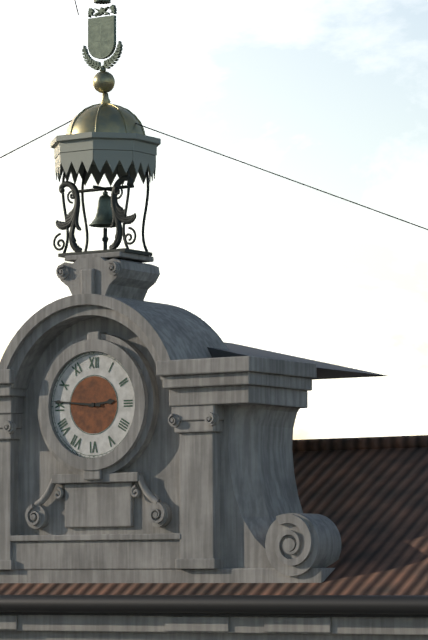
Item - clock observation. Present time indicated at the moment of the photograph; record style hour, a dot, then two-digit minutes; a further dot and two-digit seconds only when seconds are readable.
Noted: 2.46
